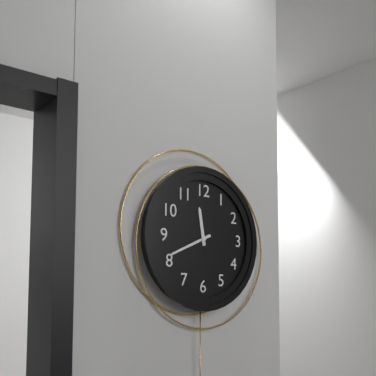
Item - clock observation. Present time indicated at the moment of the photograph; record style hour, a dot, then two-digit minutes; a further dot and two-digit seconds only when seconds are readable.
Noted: 11.41
